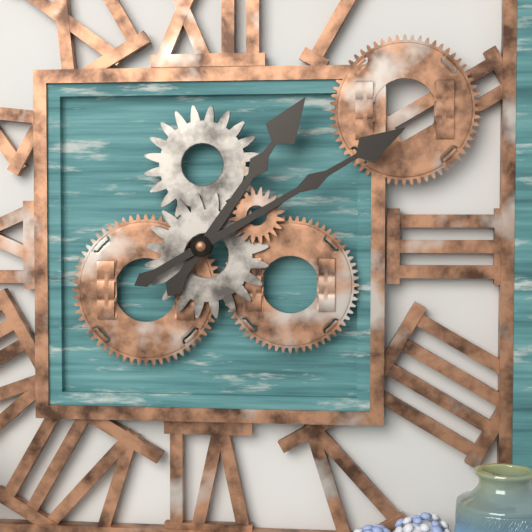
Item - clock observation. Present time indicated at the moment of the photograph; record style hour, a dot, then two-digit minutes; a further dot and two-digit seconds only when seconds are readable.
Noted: 1.10
